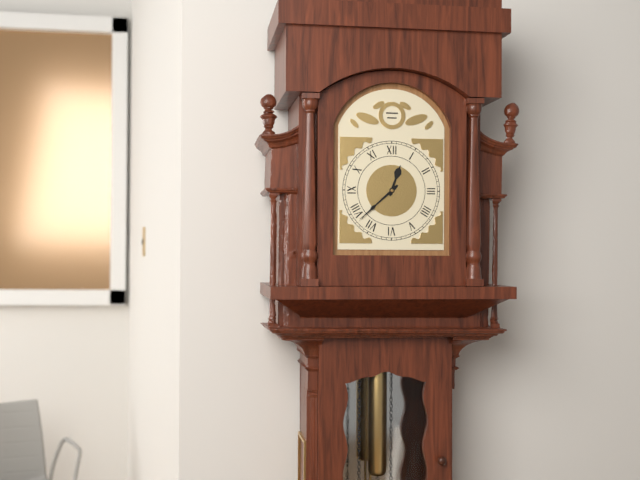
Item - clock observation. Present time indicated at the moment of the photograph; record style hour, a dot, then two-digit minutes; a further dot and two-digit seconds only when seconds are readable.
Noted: 12.38
